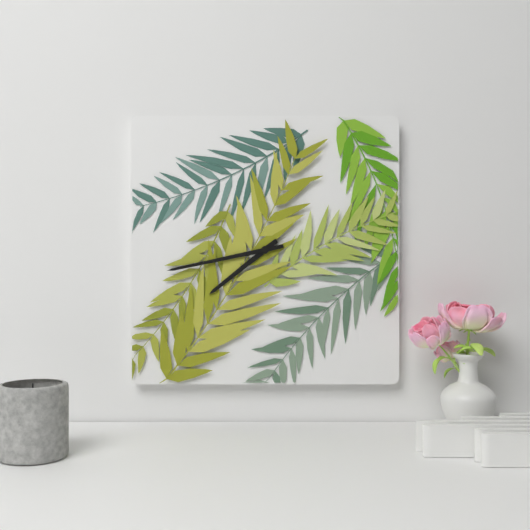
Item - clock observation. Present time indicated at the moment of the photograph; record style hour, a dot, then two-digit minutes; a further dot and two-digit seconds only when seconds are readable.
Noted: 7.43
